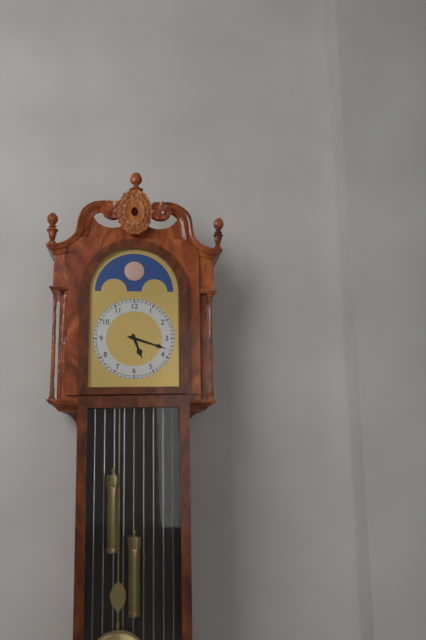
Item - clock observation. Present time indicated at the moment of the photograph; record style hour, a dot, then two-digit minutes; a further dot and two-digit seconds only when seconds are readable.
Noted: 5.18
